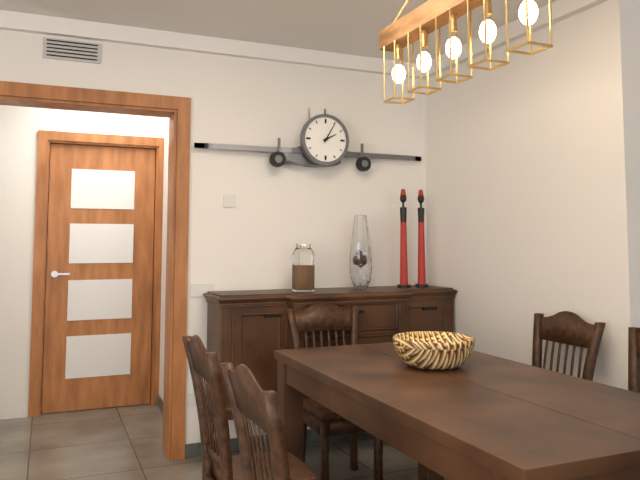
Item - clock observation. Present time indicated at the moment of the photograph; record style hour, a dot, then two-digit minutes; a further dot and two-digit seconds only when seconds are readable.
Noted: 2.05
